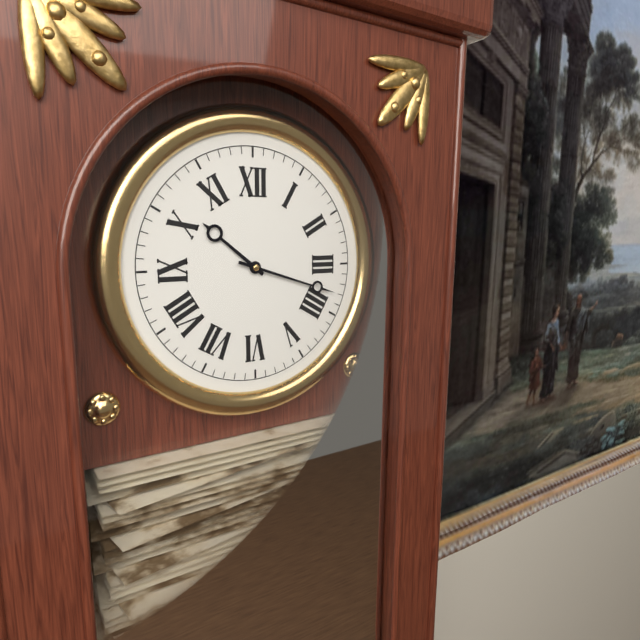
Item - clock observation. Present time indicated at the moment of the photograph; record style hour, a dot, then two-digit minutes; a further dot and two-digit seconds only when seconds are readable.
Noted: 10.18
